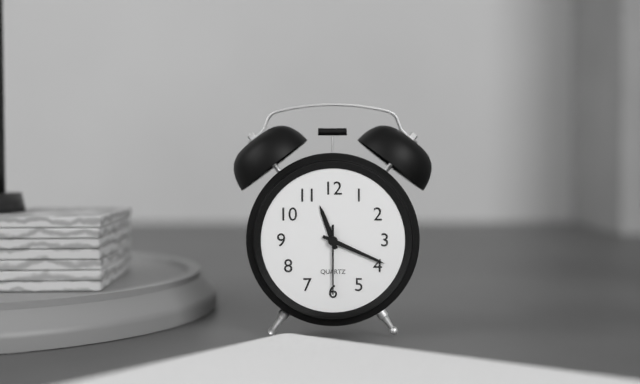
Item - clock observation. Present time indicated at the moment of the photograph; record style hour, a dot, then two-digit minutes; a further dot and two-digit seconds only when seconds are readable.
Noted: 11.19.30
